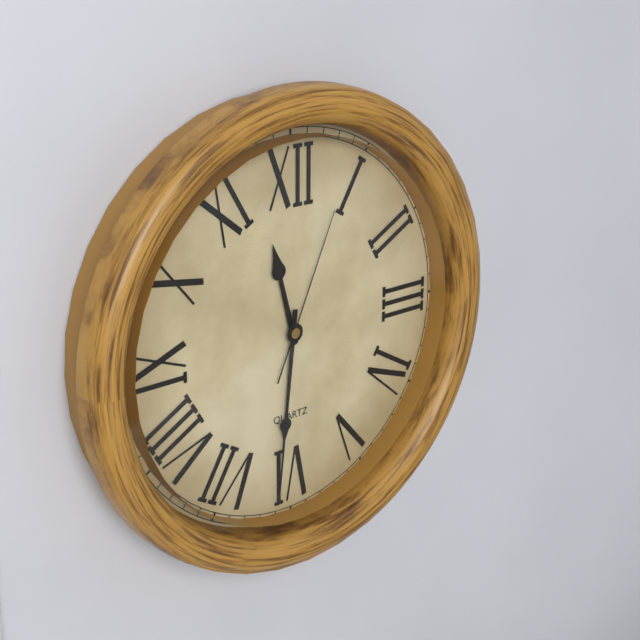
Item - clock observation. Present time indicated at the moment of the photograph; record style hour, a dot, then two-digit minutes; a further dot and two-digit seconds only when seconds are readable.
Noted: 11.31.04
